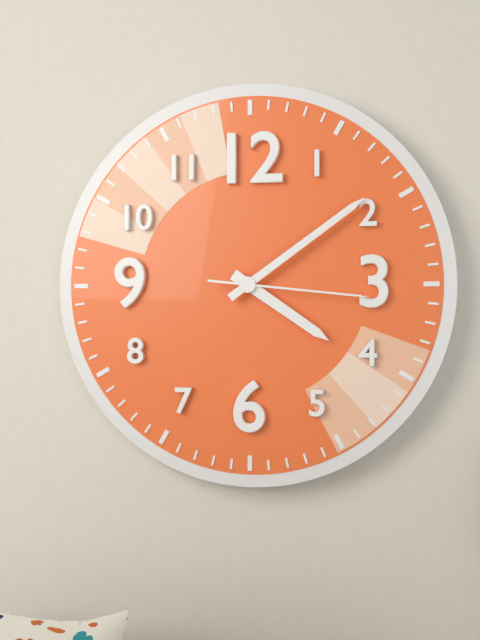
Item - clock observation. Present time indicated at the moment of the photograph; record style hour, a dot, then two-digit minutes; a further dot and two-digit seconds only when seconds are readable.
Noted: 4.09.16
